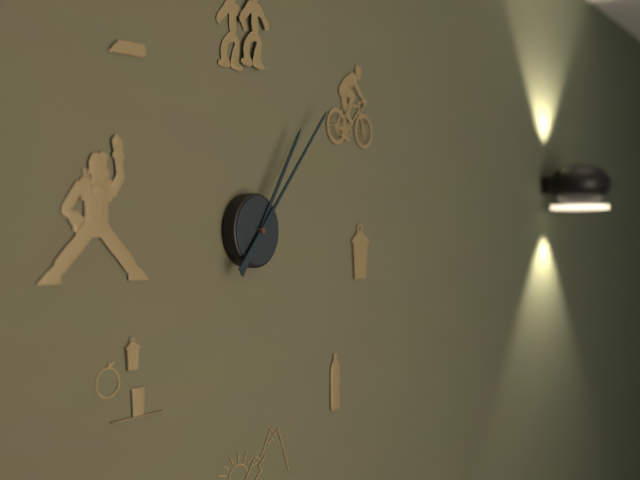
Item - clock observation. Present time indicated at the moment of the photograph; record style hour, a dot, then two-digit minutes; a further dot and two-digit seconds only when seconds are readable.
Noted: 1.07
